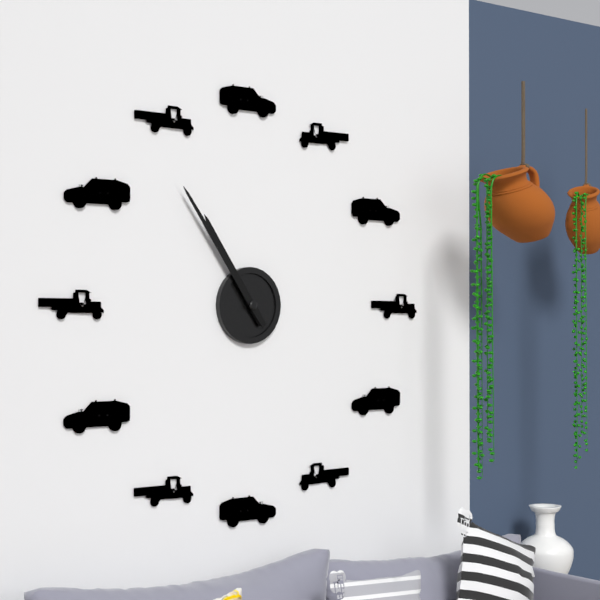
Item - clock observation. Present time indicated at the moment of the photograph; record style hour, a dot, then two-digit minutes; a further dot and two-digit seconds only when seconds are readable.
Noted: 10.54
